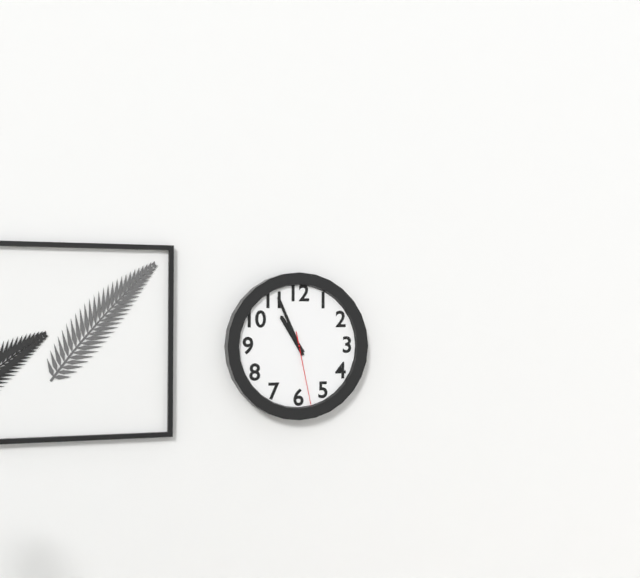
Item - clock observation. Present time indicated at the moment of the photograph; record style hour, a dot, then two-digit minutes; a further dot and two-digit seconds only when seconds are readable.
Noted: 10.56.28
